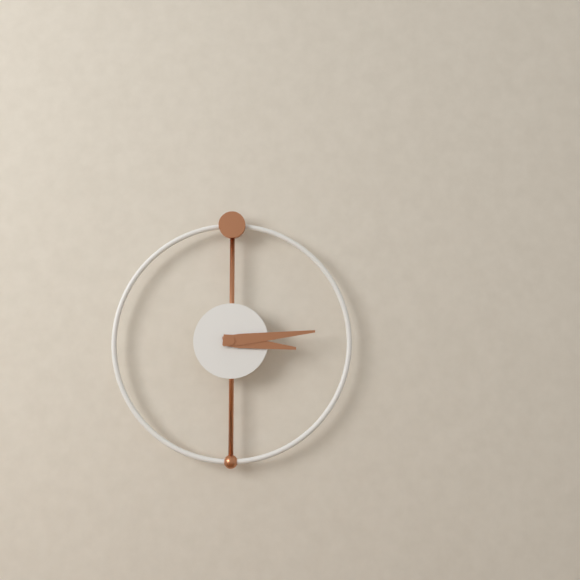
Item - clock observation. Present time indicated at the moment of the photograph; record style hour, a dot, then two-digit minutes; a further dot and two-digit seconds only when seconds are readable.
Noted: 3.14
